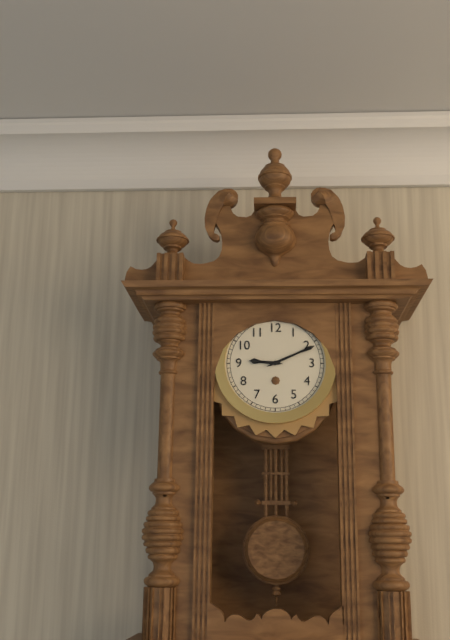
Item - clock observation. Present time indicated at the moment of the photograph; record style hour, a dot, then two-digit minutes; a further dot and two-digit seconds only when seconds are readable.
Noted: 9.11
